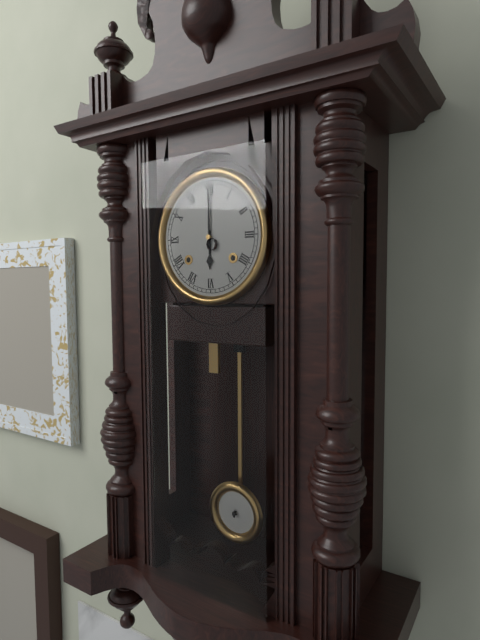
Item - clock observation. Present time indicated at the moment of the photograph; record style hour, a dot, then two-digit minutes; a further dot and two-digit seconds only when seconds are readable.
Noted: 6.00
